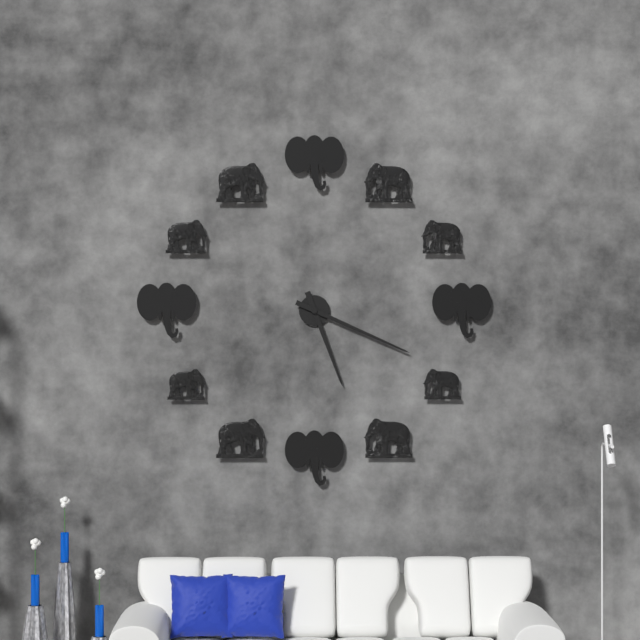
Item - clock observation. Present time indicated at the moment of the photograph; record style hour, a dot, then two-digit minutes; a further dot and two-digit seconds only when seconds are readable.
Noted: 5.19
